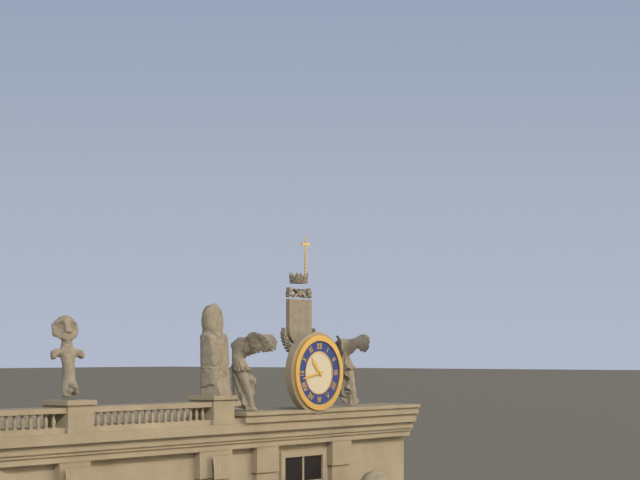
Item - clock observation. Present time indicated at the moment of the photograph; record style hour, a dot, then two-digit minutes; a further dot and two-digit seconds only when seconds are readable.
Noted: 10.43
